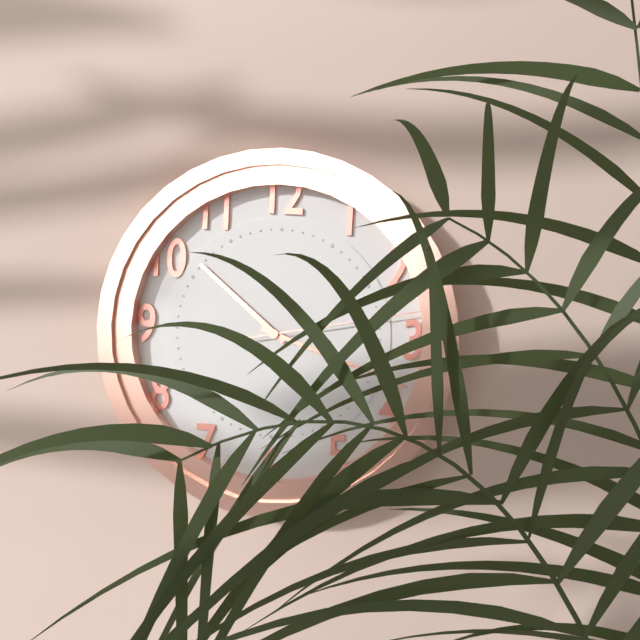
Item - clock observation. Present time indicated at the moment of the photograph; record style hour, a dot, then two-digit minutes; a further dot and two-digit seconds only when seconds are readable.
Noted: 10.18
